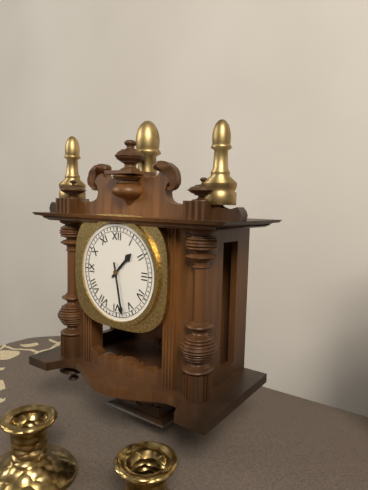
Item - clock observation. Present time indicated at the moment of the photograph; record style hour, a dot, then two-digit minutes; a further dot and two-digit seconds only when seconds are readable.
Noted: 1.28
